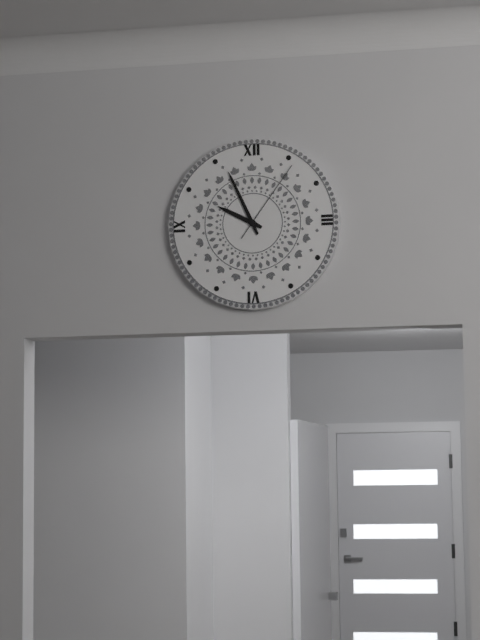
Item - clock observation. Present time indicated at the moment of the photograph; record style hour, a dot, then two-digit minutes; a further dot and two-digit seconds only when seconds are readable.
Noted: 9.56.06
